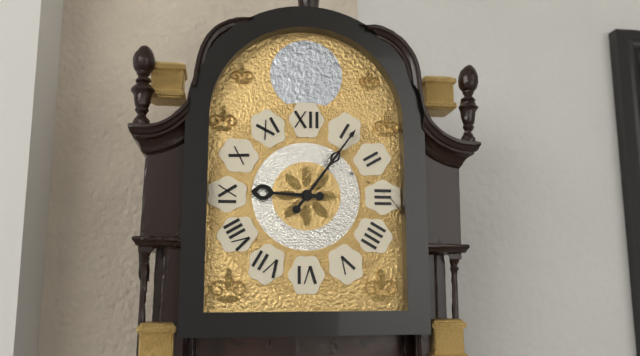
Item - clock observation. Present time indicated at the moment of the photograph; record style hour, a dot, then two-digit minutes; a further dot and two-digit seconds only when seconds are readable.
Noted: 9.06
